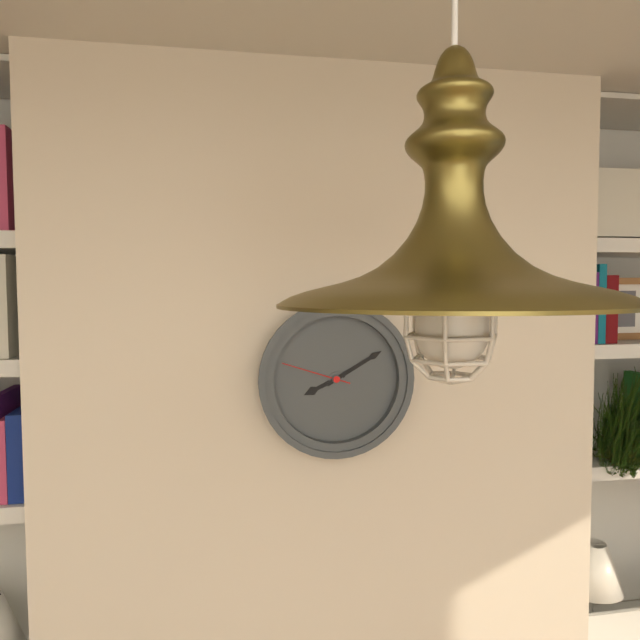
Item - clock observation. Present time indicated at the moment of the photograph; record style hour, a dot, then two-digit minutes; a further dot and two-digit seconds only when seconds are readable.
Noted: 8.10.48
